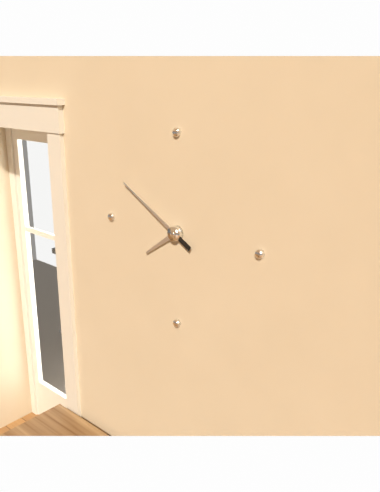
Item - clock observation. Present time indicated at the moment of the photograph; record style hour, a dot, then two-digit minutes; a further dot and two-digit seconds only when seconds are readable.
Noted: 7.50
